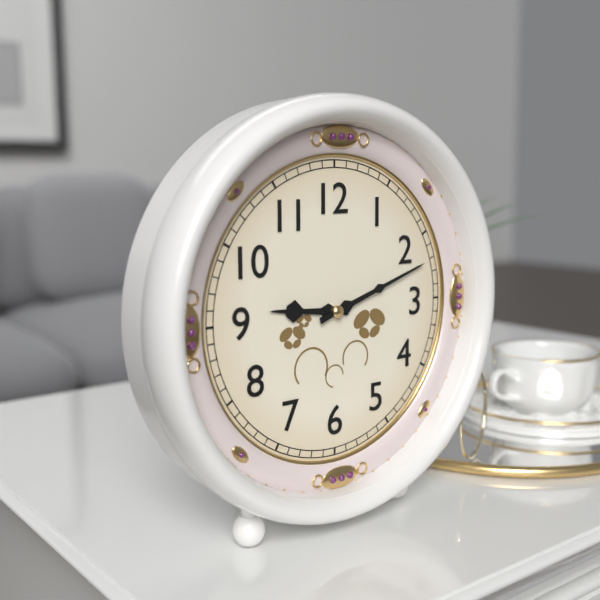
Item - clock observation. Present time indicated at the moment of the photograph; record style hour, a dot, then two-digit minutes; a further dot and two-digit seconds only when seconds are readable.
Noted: 9.12
